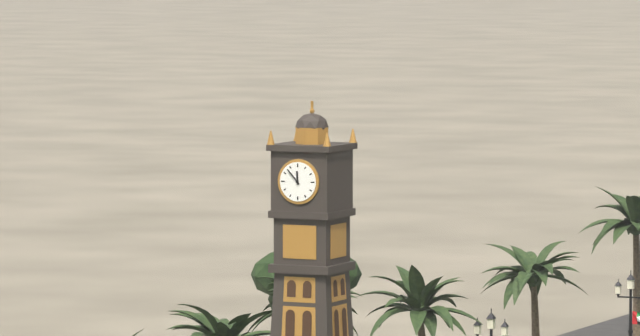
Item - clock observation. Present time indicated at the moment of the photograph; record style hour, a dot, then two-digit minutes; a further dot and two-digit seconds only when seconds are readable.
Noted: 11.53
